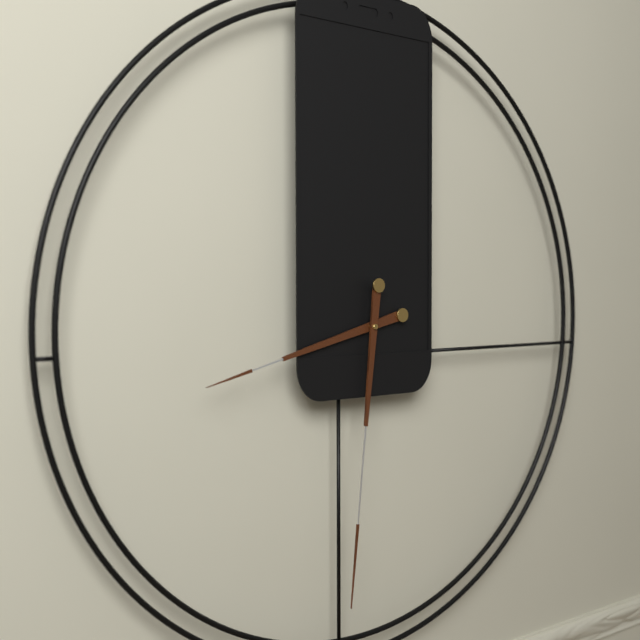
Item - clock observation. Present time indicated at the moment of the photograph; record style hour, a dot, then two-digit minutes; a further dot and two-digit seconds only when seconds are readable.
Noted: 8.31
